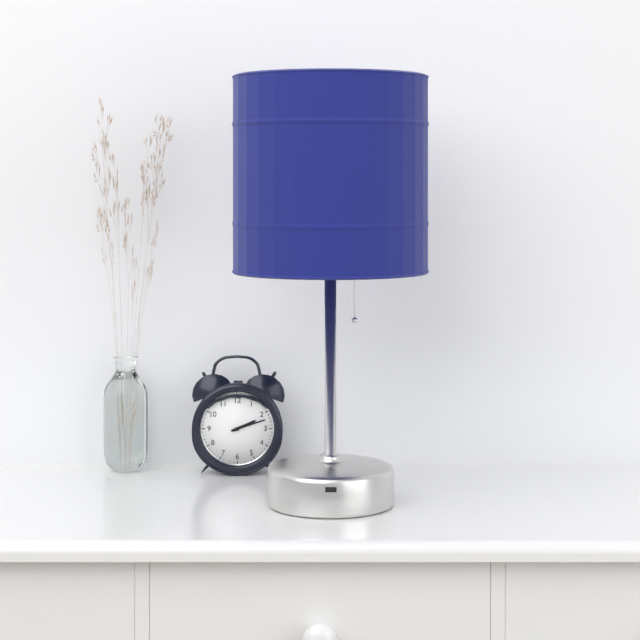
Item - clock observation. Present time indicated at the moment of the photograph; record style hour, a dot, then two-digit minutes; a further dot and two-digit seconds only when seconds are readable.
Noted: 2.12
